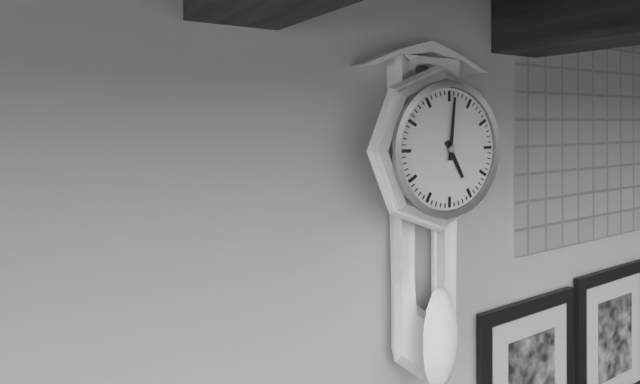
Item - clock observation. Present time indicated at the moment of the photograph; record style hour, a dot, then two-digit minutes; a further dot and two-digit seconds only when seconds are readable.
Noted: 5.01
